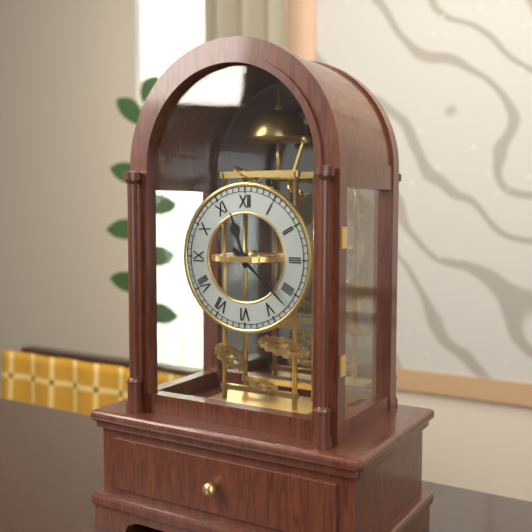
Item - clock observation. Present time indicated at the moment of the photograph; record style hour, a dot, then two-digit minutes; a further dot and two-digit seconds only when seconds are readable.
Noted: 11.22
